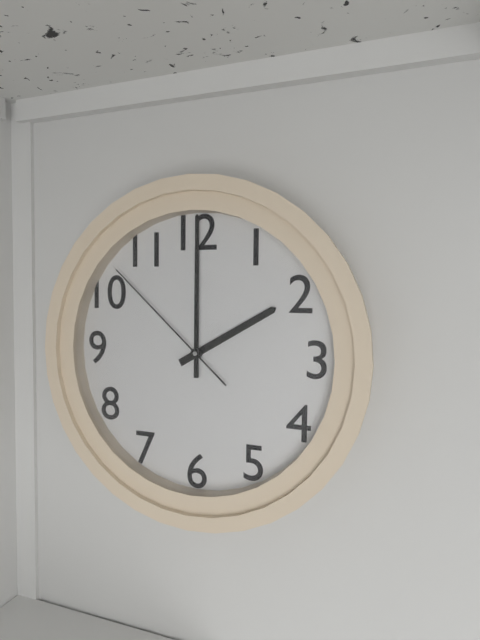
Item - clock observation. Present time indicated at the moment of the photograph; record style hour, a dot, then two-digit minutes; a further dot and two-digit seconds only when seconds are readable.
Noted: 2.00.52
